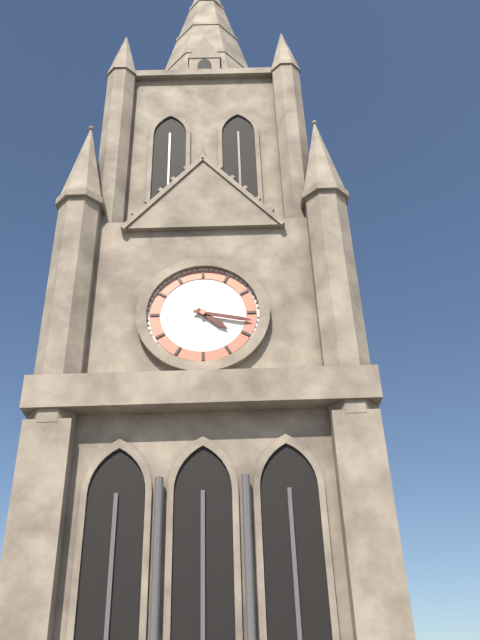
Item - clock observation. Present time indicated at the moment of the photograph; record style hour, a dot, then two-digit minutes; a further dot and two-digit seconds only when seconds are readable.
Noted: 4.17
